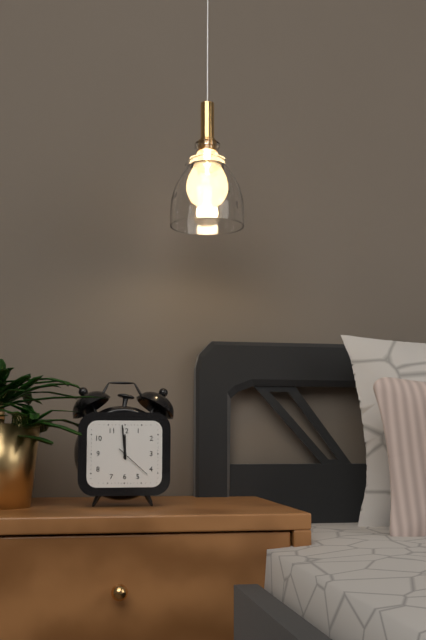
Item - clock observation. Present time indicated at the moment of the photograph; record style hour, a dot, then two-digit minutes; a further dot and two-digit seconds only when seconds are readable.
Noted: 11.59
